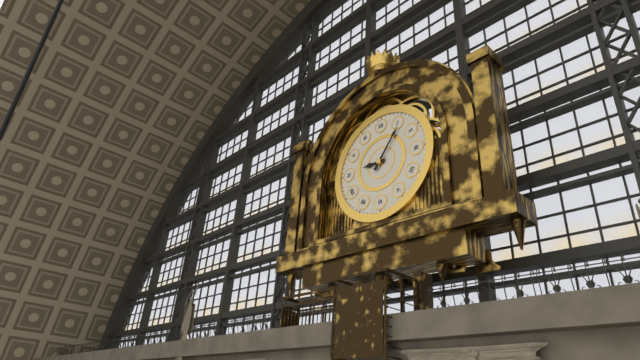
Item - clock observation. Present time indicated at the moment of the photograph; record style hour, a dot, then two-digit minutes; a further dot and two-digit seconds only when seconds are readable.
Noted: 9.06
